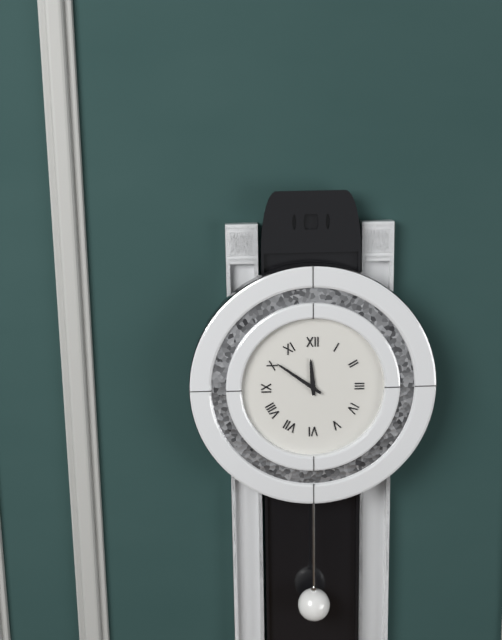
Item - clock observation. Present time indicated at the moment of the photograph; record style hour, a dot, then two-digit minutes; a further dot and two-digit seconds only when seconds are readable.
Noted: 11.51
